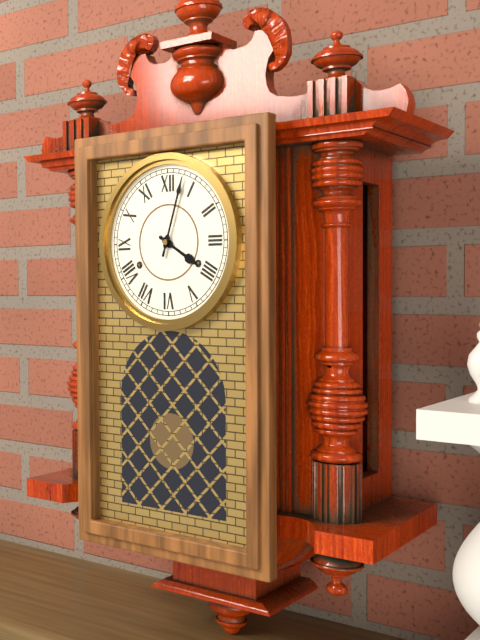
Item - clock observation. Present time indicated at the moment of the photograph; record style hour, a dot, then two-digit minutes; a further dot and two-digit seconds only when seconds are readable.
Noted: 4.03
